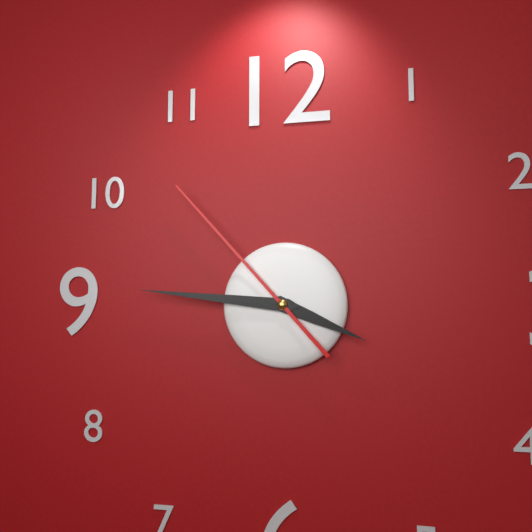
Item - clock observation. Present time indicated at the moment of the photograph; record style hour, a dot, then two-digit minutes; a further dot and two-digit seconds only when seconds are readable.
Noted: 3.46.53
